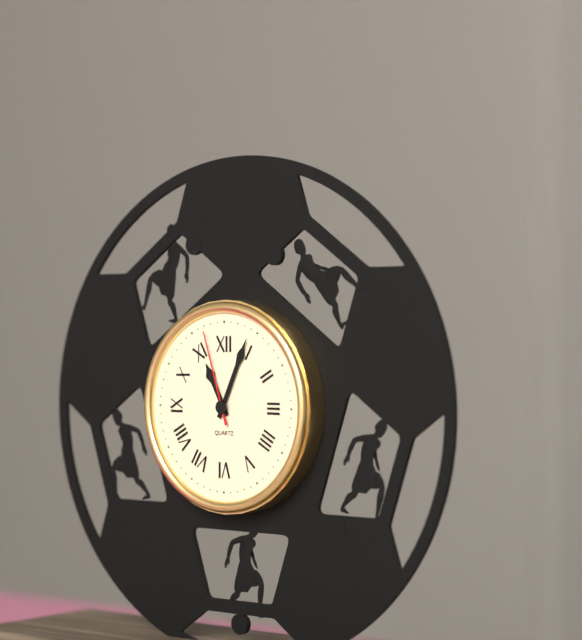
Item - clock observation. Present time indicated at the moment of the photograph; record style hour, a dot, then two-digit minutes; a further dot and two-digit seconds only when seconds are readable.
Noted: 11.04.57
